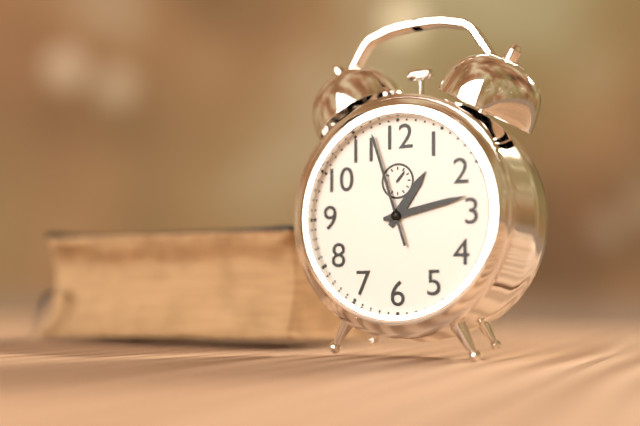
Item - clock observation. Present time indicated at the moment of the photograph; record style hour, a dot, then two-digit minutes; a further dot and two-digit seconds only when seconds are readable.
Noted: 1.13.57
